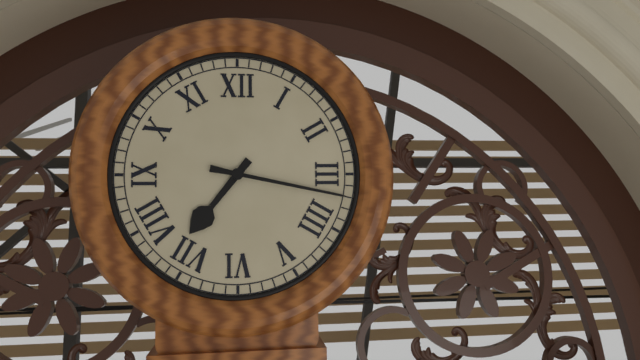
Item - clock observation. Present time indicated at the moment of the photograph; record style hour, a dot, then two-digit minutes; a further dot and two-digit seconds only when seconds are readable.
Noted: 7.17
